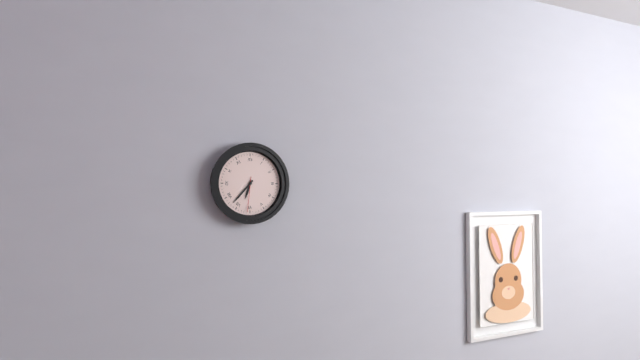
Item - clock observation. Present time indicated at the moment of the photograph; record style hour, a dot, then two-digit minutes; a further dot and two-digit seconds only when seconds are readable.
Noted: 6.37
